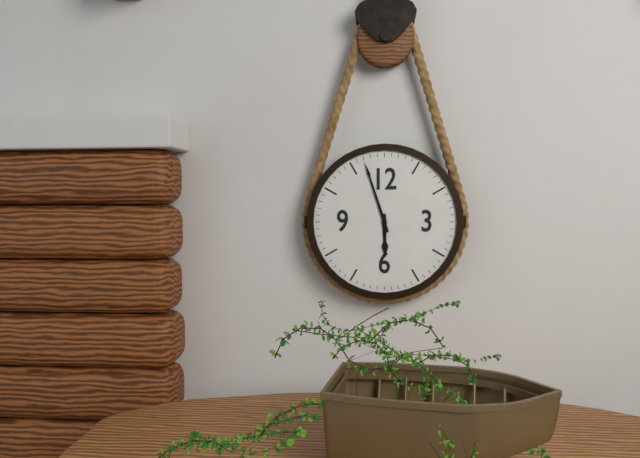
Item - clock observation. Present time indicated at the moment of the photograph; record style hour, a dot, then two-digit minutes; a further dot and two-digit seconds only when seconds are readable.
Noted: 5.57
